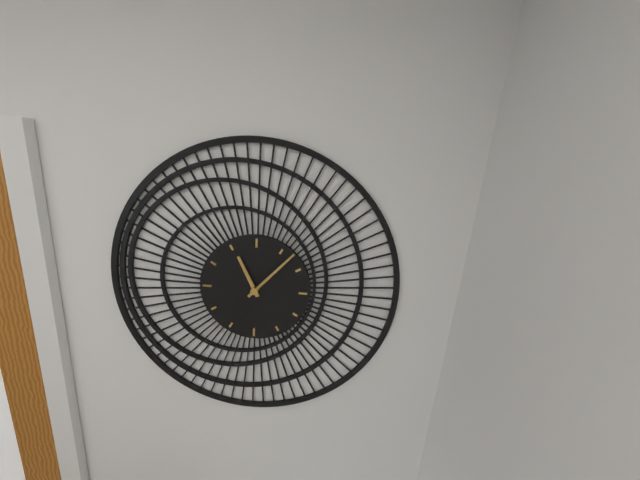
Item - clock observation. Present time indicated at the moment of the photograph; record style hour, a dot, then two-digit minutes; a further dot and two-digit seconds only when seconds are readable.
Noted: 11.07
